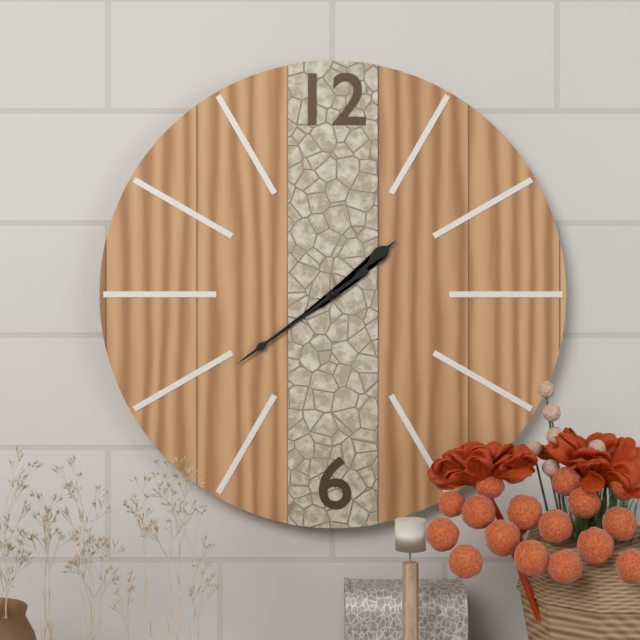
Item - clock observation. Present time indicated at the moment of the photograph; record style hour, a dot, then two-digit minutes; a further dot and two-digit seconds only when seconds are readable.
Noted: 1.39
